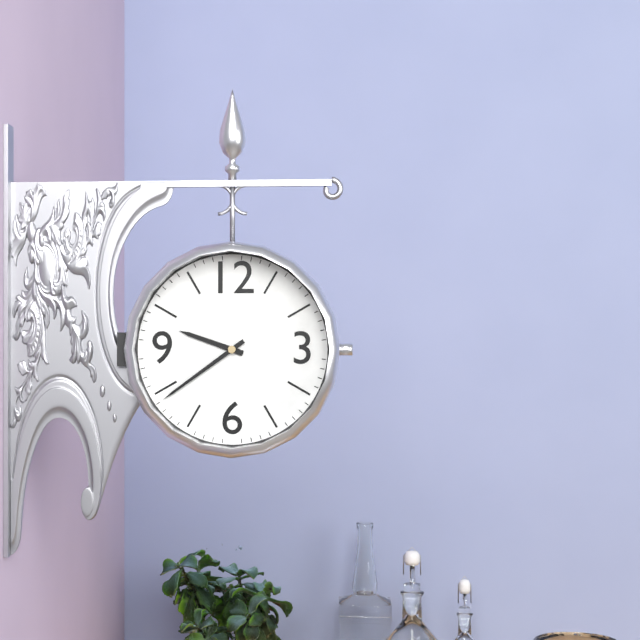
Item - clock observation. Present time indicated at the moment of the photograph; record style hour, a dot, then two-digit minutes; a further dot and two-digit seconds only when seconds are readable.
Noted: 9.39
